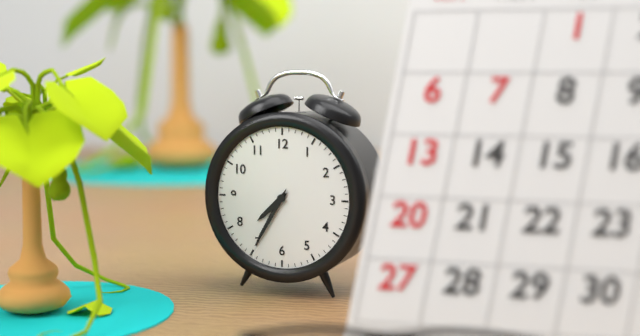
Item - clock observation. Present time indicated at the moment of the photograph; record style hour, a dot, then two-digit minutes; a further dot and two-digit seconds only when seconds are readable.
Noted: 7.35
